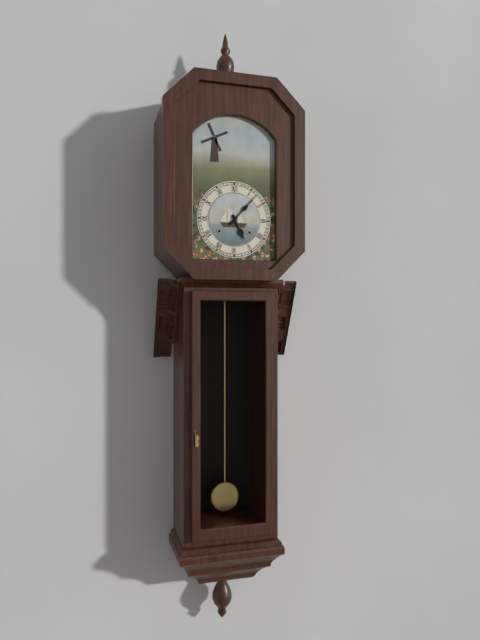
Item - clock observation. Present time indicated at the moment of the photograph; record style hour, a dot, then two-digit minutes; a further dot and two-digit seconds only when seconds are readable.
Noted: 5.07
